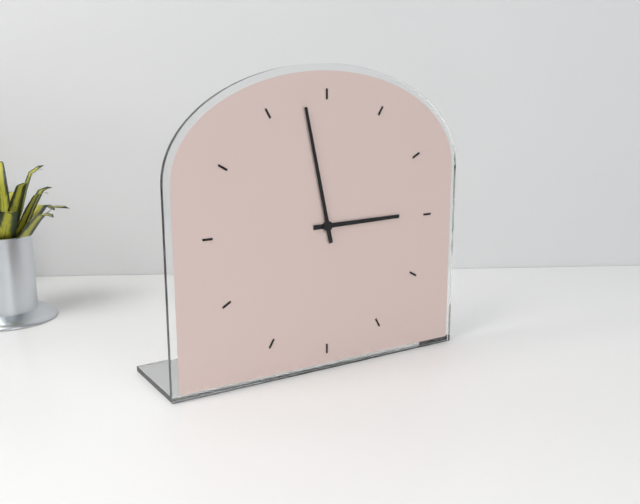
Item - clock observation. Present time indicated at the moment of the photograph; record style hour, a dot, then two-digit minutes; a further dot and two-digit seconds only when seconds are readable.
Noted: 2.58
